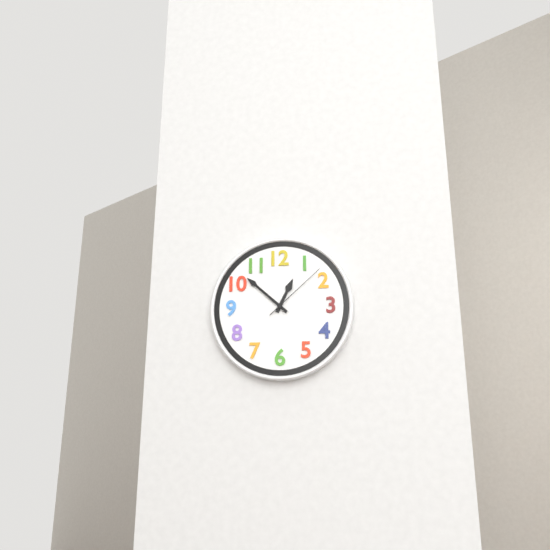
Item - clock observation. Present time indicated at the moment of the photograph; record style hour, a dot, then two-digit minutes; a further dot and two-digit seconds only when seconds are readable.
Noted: 12.52.08
